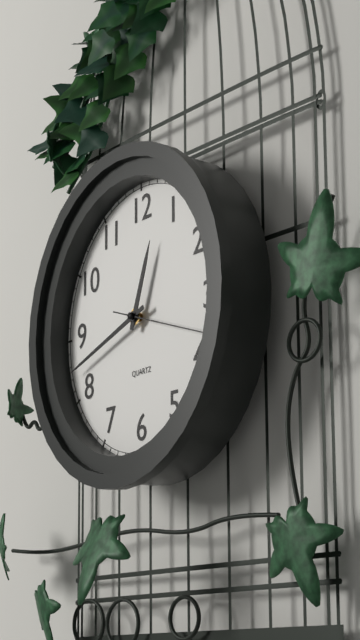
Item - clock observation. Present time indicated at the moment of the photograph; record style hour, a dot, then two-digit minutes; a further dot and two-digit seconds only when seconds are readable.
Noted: 12.42.18
